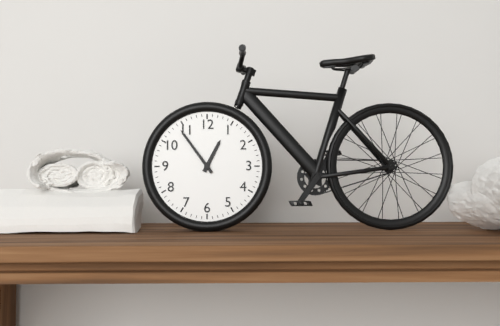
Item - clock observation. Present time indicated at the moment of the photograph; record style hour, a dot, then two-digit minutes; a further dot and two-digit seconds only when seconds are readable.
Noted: 12.54
